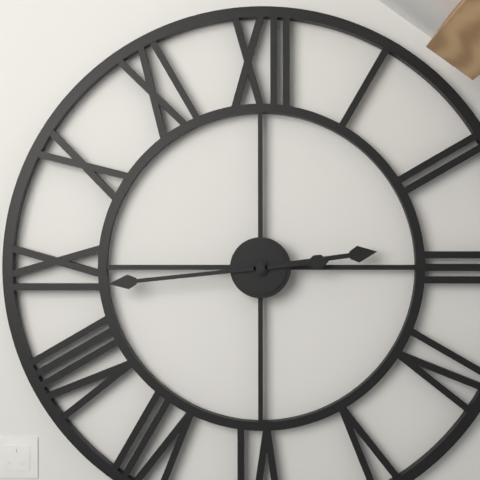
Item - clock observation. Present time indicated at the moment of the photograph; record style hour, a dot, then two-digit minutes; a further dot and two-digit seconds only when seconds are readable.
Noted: 2.44
